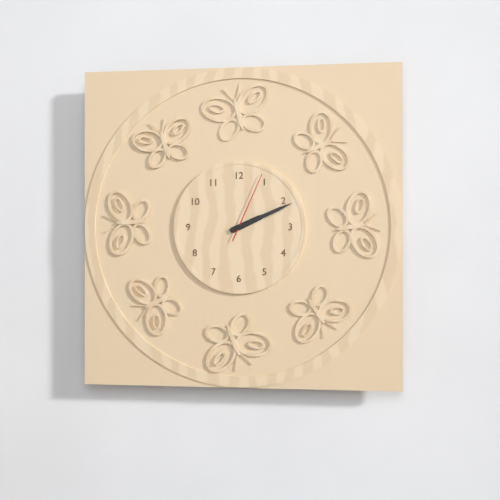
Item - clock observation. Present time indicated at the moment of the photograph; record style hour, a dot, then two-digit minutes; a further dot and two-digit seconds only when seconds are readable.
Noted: 2.11.04
